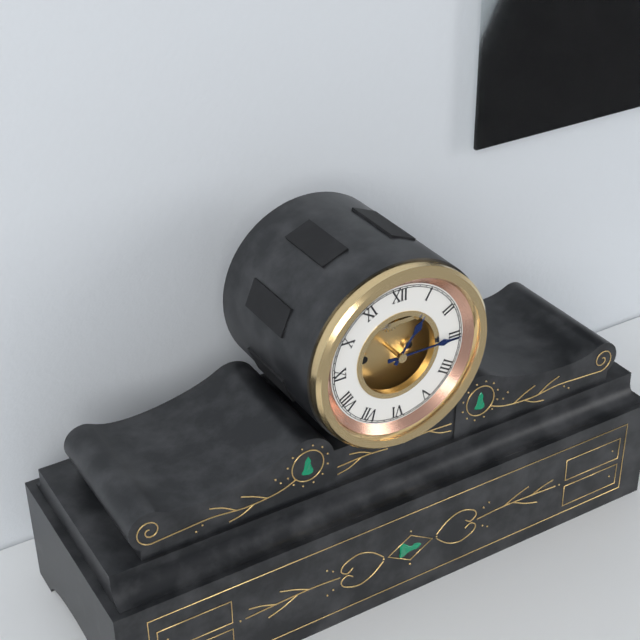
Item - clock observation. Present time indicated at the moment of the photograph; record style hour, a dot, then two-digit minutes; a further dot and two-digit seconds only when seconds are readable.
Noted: 1.15
